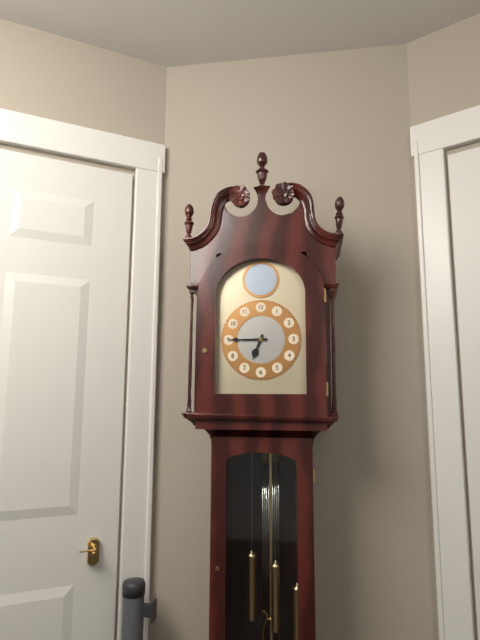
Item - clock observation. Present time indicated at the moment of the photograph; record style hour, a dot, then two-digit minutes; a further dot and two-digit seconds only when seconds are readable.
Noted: 6.45
